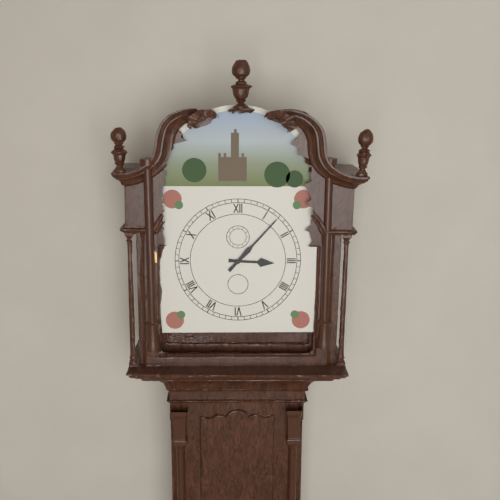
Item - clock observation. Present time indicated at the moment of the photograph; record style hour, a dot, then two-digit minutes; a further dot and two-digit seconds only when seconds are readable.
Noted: 3.07
